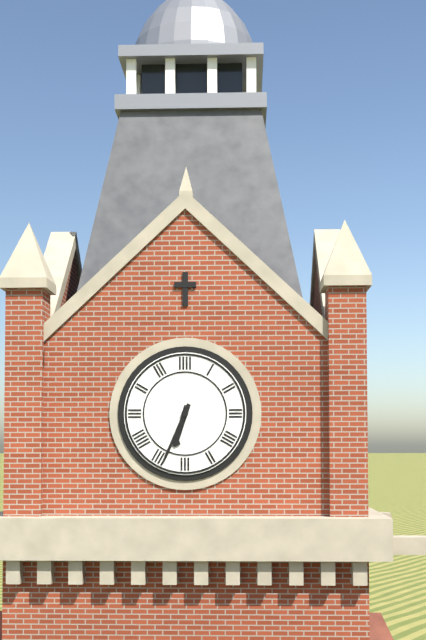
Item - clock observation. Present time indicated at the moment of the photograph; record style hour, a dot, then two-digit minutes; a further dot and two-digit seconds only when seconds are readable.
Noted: 6.34
